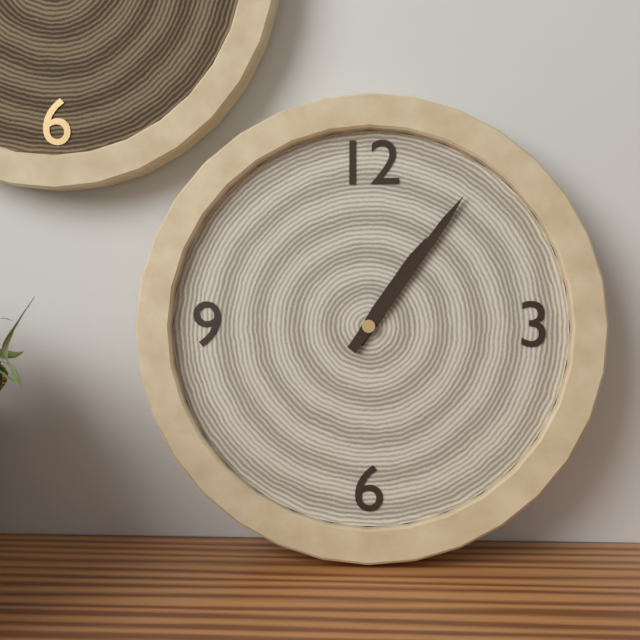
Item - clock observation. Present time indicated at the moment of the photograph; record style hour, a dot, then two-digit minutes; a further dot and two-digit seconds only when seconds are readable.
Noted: 1.06
